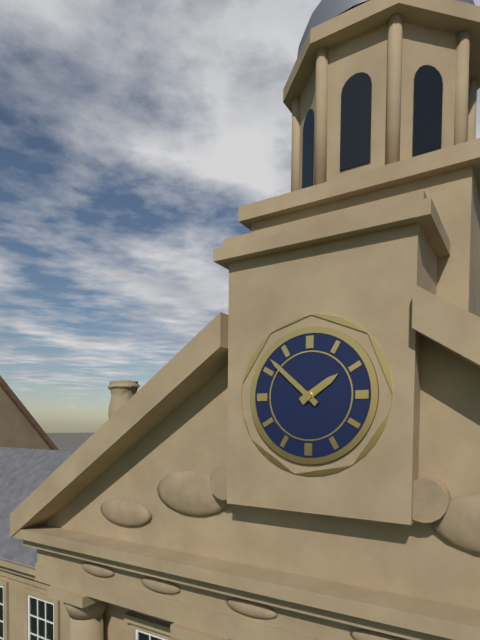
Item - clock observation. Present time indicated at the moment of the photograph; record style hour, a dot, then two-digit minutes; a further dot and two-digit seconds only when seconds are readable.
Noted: 1.52
